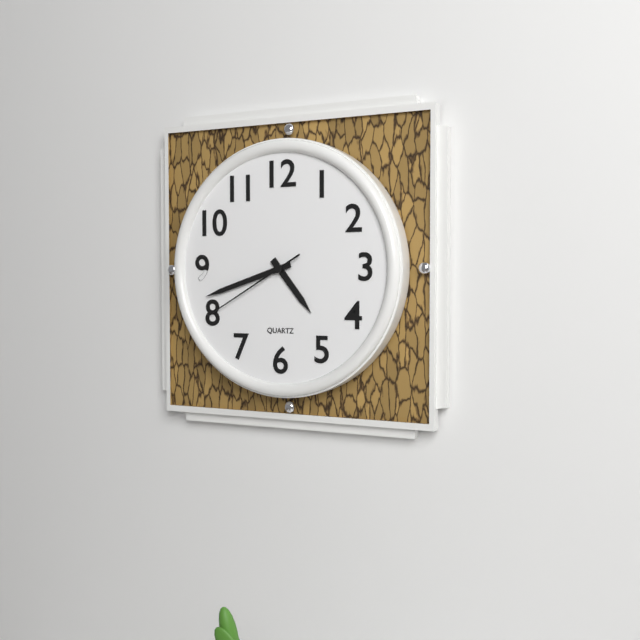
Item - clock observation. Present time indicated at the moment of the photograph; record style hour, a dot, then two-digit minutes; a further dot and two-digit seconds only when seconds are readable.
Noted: 4.42.40
